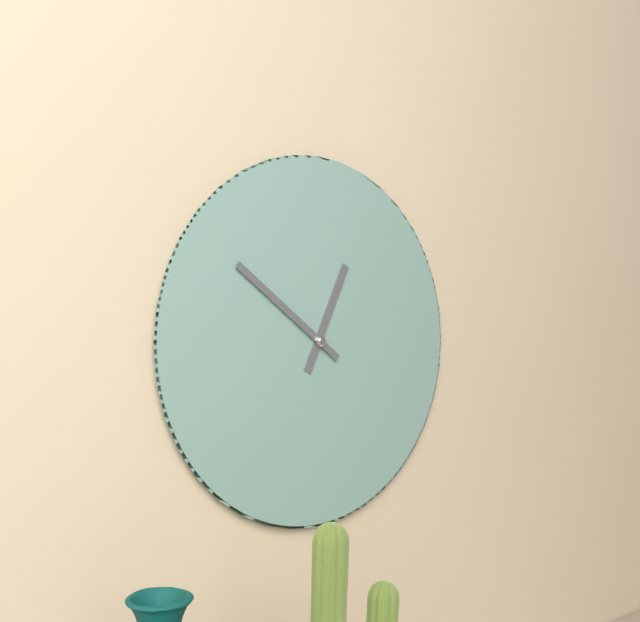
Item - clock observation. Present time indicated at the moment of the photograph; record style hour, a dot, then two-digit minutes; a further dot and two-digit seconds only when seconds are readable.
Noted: 12.51
